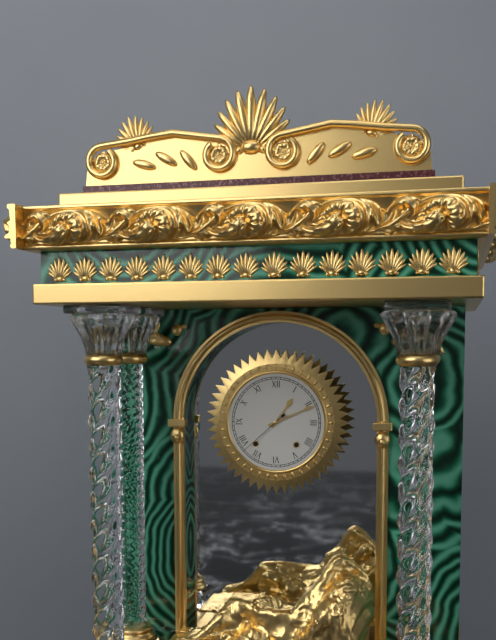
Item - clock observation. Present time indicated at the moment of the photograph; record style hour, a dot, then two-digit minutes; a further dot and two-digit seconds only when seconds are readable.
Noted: 1.11.38
